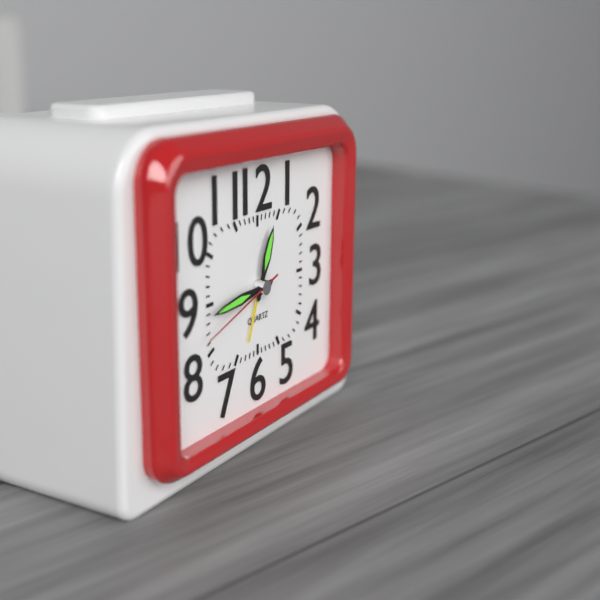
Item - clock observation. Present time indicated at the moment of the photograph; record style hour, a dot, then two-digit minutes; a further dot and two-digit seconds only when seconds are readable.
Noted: 12.44.42
